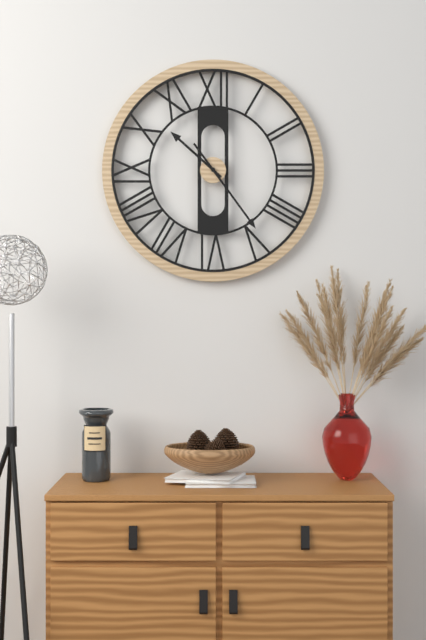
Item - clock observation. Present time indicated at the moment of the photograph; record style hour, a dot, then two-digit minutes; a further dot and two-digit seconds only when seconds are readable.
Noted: 10.24
